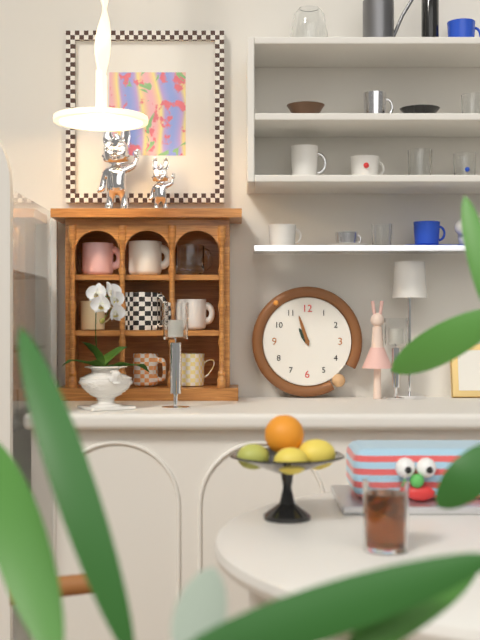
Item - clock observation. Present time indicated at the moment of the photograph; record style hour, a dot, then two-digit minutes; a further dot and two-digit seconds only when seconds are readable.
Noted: 10.57
